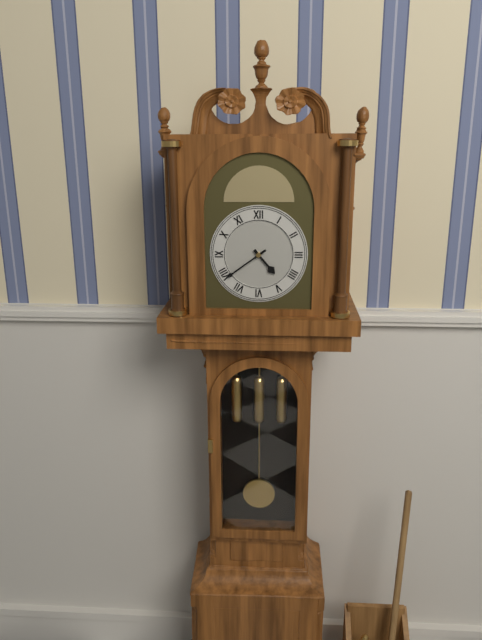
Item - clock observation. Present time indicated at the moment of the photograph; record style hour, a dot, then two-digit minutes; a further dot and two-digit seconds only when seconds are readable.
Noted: 4.39
